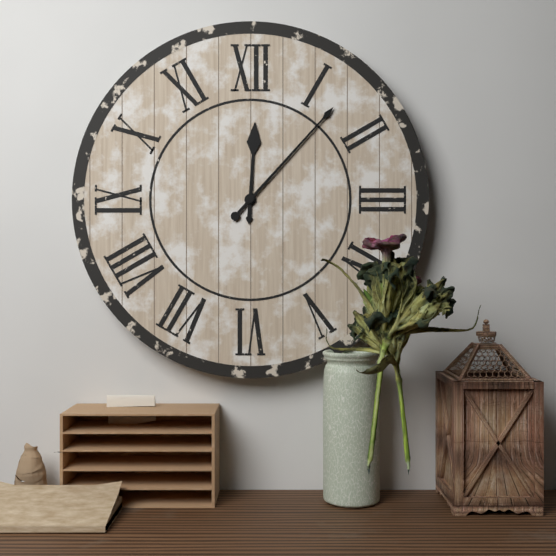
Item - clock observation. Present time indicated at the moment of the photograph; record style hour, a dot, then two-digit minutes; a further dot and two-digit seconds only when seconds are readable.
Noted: 12.07
